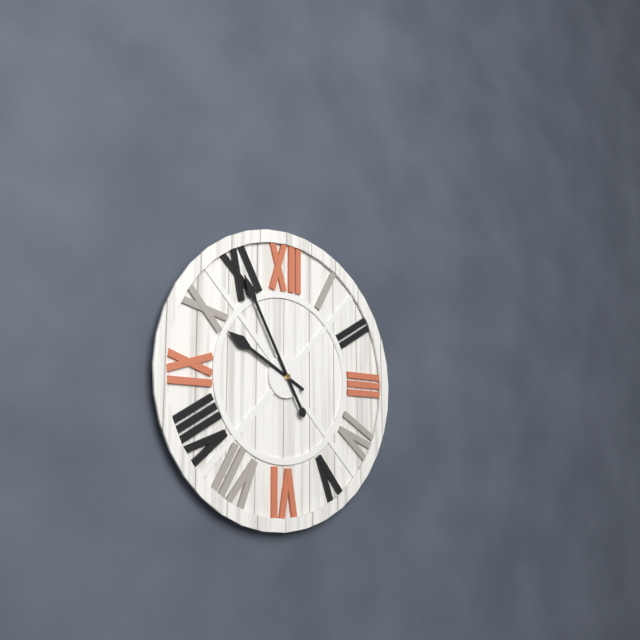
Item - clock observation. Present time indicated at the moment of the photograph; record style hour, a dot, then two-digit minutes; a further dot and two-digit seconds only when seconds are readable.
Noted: 9.55
